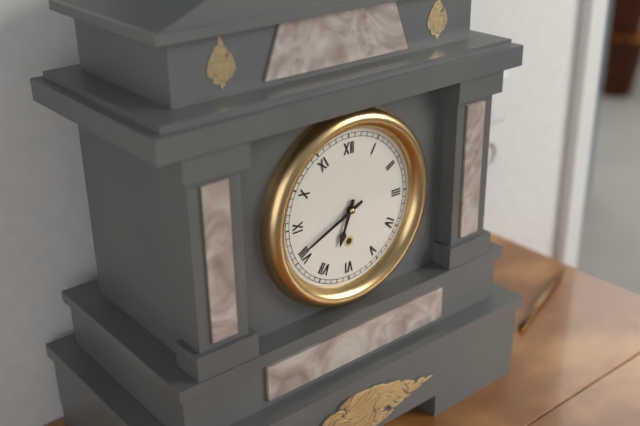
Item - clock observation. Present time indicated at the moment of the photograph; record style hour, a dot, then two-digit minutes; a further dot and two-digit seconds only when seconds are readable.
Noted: 6.41
